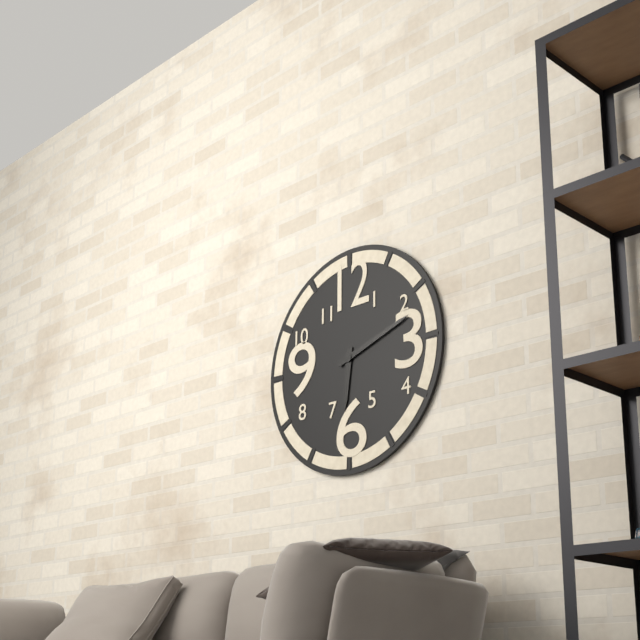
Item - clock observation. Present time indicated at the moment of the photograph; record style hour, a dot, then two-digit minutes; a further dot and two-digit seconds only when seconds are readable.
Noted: 6.12
